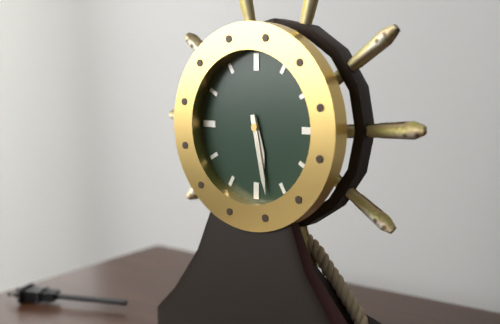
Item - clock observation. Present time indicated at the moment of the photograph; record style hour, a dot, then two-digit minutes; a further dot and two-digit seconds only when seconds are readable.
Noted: 5.28
